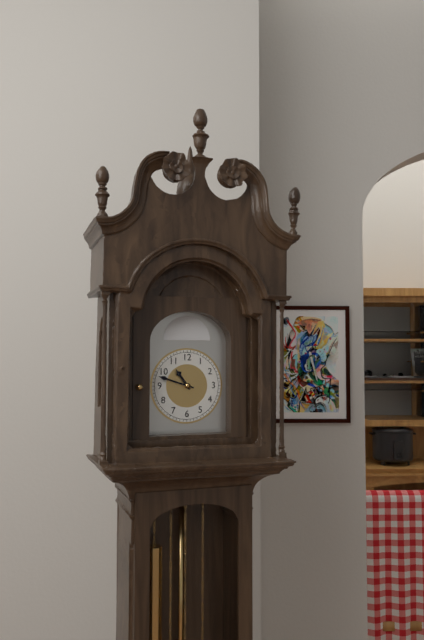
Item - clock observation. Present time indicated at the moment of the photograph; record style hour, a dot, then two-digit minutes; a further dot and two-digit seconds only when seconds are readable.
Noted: 10.48
